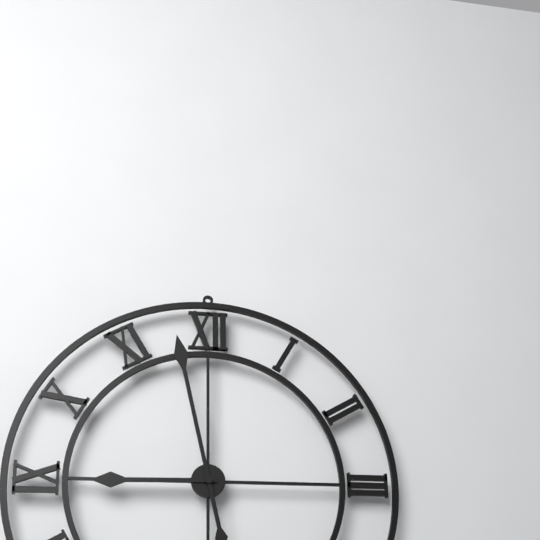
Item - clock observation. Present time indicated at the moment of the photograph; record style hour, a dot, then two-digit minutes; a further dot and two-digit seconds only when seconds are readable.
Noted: 8.58
